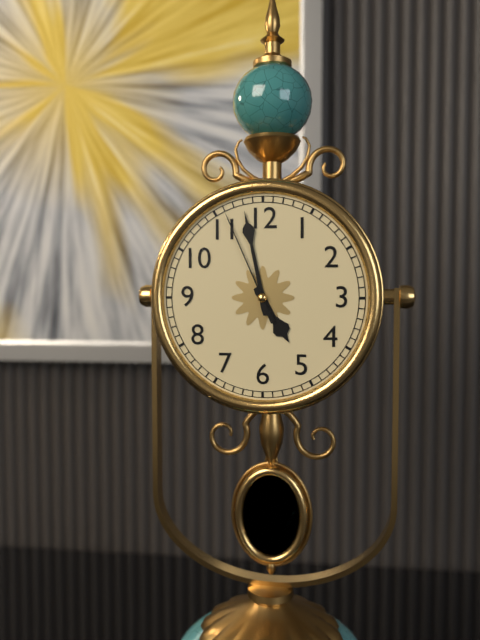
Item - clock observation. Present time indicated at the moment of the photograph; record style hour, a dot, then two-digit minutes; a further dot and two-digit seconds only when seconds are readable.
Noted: 4.58.56
